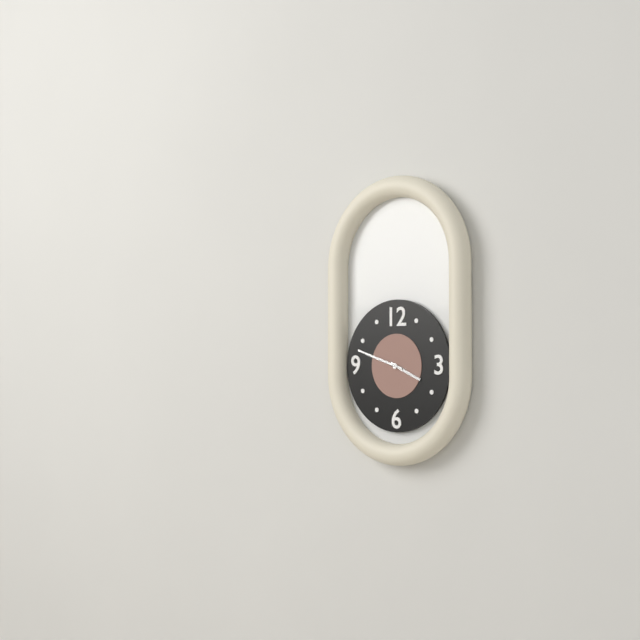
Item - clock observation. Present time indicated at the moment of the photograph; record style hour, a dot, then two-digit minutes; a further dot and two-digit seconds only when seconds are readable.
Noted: 3.48
